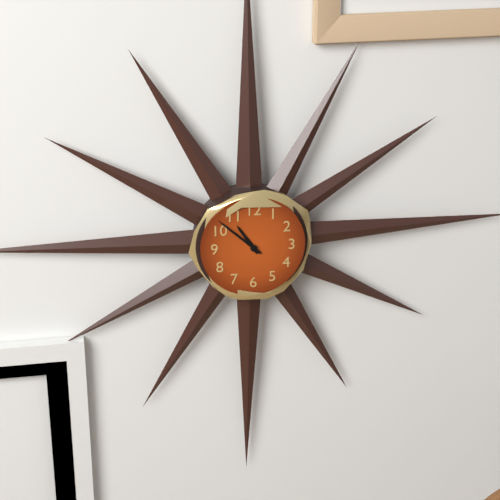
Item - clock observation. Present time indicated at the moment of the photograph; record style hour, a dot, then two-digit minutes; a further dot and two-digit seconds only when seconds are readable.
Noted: 10.52
